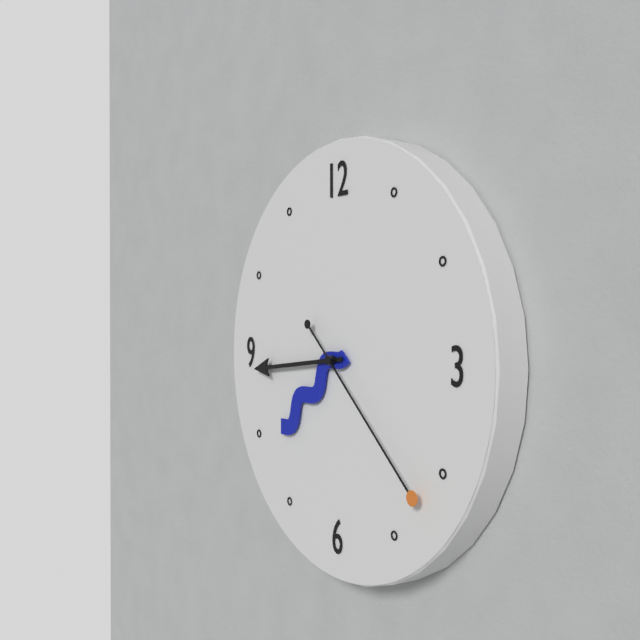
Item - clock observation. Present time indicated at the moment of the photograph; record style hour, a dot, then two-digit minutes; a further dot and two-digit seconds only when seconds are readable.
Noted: 7.44.22
